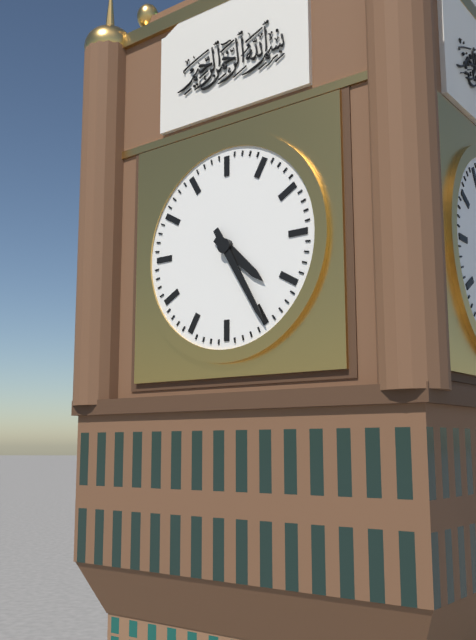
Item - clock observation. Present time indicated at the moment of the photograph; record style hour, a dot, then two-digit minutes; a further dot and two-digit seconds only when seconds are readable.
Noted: 4.25
